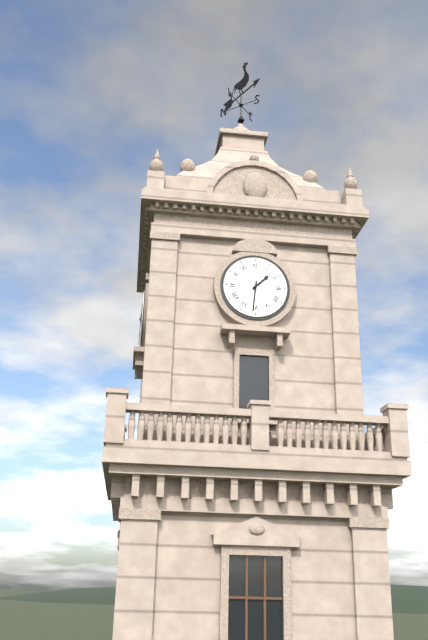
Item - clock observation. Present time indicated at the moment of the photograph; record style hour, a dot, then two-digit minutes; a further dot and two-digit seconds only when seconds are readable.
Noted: 1.31
